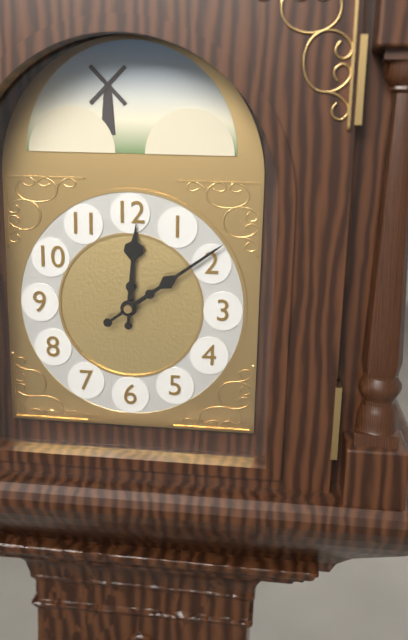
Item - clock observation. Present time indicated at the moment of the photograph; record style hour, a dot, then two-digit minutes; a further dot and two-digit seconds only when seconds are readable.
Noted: 12.09
